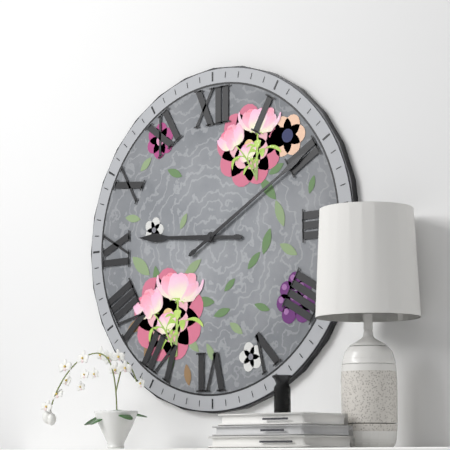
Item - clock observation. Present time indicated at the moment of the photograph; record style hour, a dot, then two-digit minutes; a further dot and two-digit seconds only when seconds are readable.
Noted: 9.10
